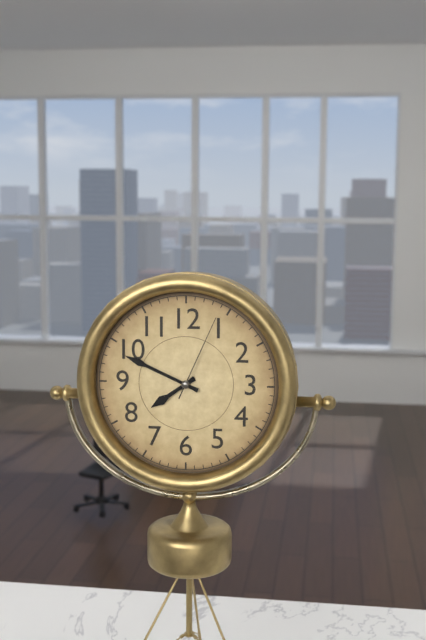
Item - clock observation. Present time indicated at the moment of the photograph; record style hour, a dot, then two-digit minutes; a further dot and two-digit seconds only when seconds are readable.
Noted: 7.49.04
